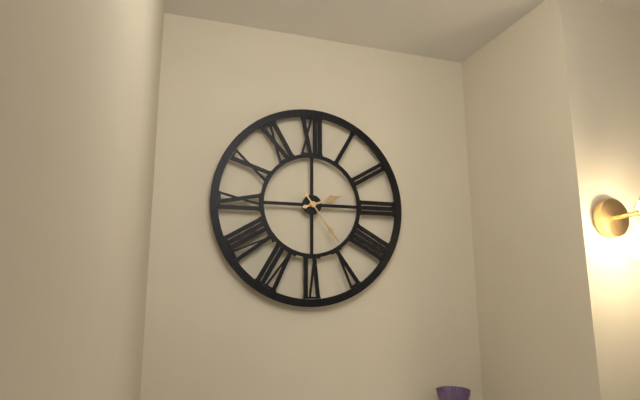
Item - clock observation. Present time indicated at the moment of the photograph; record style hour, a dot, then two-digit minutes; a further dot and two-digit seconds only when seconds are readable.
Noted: 2.24
